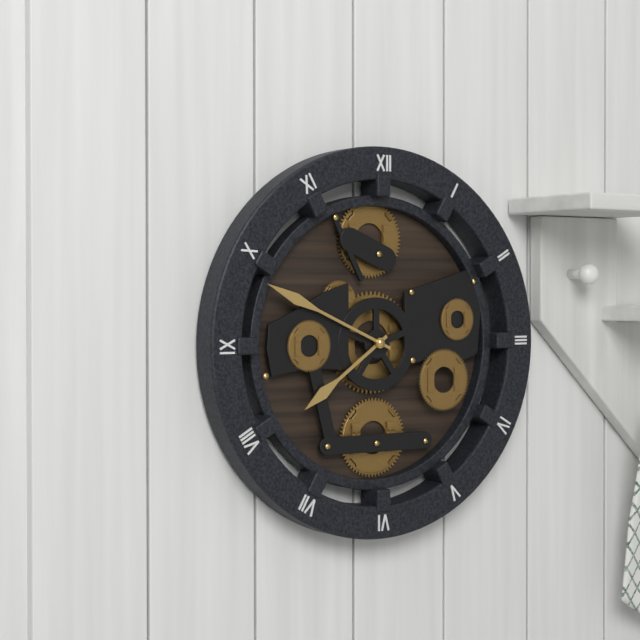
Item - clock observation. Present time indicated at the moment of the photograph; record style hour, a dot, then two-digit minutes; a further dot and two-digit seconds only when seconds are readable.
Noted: 7.49
